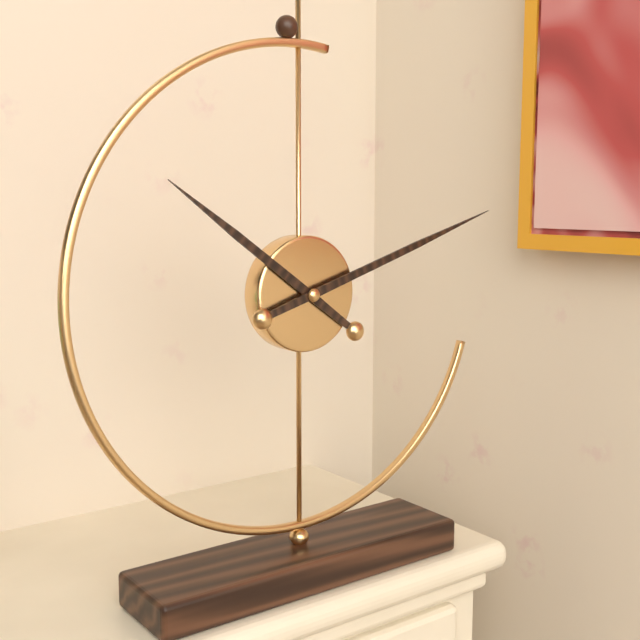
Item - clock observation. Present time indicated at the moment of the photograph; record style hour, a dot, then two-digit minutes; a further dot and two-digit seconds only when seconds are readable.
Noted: 10.12
